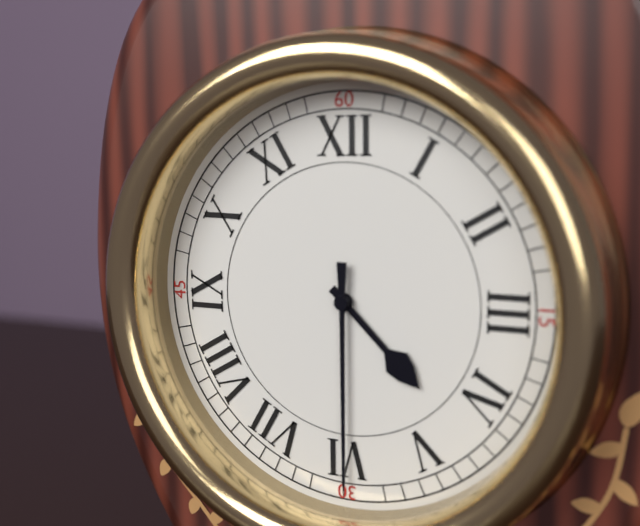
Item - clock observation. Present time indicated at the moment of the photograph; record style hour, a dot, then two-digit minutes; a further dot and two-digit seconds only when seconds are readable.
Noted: 4.30
